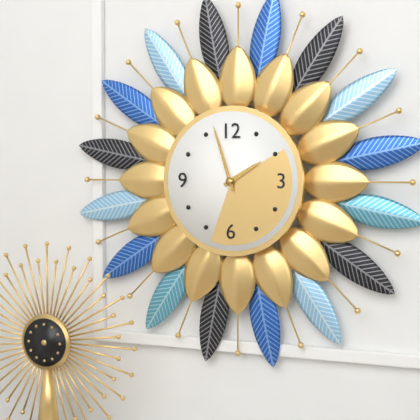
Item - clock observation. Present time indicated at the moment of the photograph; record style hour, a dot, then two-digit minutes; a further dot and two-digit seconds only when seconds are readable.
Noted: 1.57
